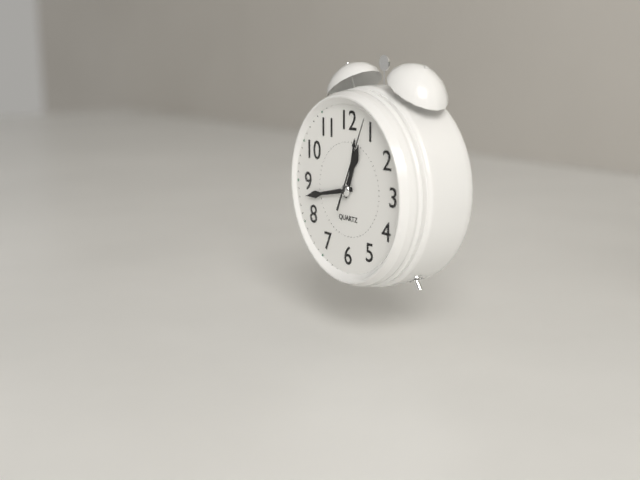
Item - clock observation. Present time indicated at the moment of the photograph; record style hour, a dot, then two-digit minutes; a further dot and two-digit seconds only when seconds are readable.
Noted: 12.43.04
